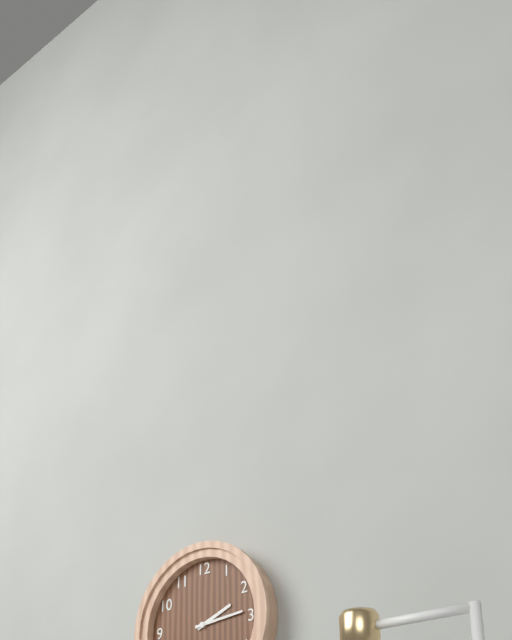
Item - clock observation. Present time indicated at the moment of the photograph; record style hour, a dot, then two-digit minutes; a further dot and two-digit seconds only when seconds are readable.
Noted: 2.14
